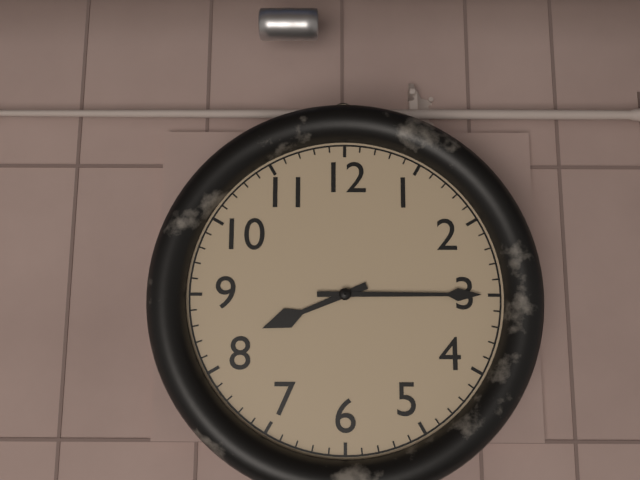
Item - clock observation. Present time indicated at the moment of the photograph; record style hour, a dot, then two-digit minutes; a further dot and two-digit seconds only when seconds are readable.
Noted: 8.15
